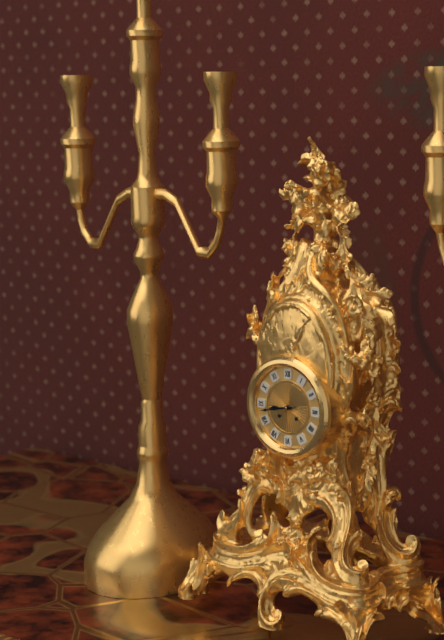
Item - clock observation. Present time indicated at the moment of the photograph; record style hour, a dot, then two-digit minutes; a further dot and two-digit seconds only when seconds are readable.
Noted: 8.43
